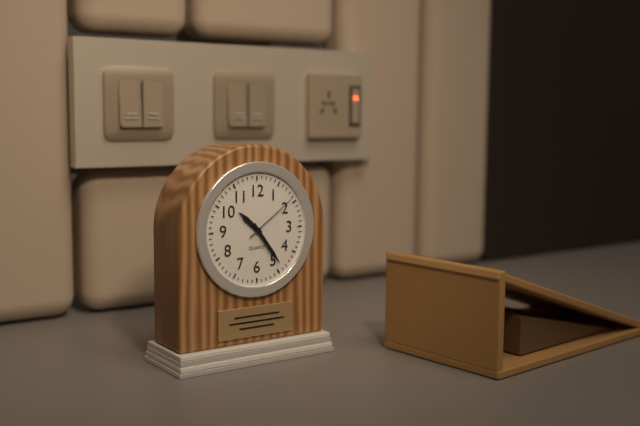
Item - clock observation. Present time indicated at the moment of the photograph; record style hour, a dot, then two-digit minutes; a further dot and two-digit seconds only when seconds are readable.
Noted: 10.24.09
